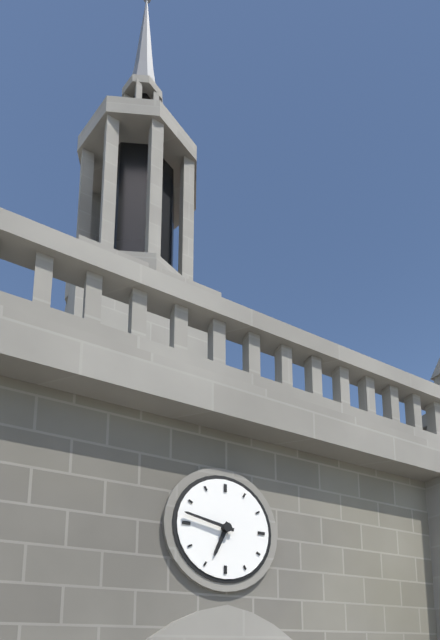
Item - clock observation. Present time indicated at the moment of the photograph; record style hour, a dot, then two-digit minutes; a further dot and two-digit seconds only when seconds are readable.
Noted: 6.47
